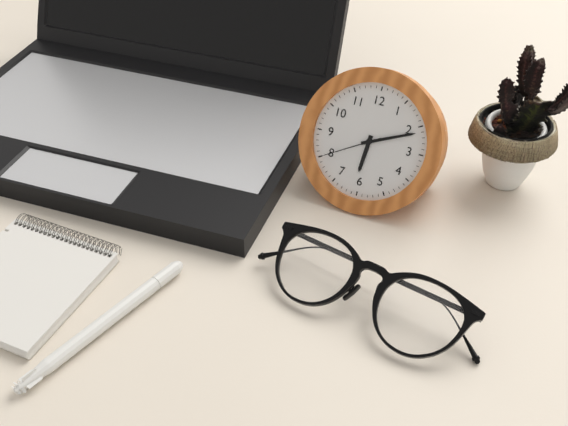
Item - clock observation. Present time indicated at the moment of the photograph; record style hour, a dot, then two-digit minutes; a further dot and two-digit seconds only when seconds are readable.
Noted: 6.11.40
